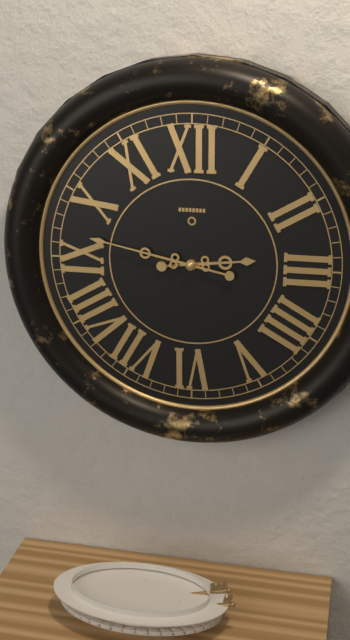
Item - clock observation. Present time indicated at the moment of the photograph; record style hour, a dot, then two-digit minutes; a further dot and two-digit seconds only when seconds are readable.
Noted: 2.47
